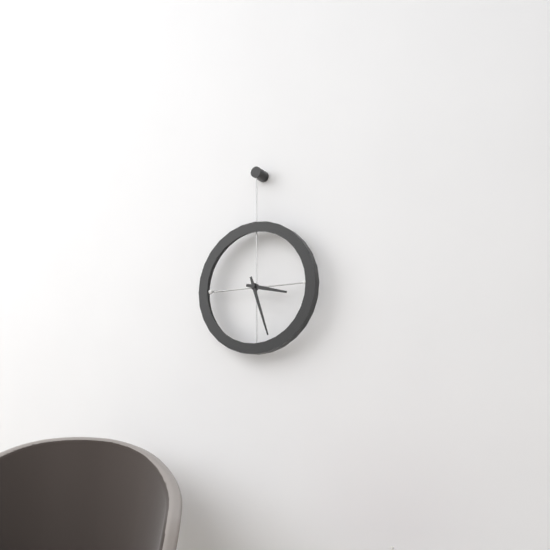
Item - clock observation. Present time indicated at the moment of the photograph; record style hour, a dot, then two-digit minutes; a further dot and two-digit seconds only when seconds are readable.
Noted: 3.27
